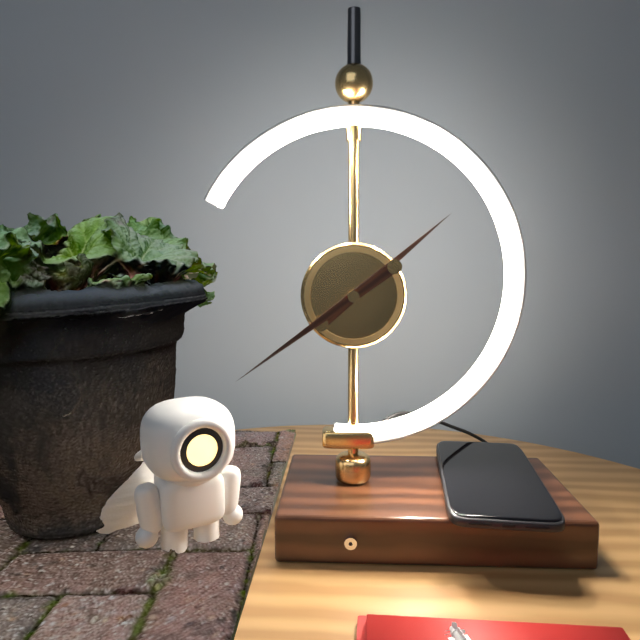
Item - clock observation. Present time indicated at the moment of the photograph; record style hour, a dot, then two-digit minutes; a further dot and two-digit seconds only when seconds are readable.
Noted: 1.39
